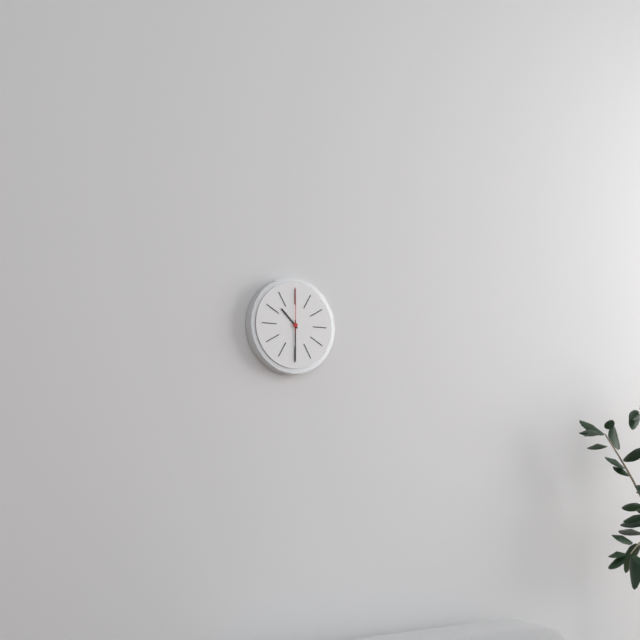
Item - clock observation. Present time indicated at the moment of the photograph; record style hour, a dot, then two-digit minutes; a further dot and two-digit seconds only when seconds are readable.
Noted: 10.30
